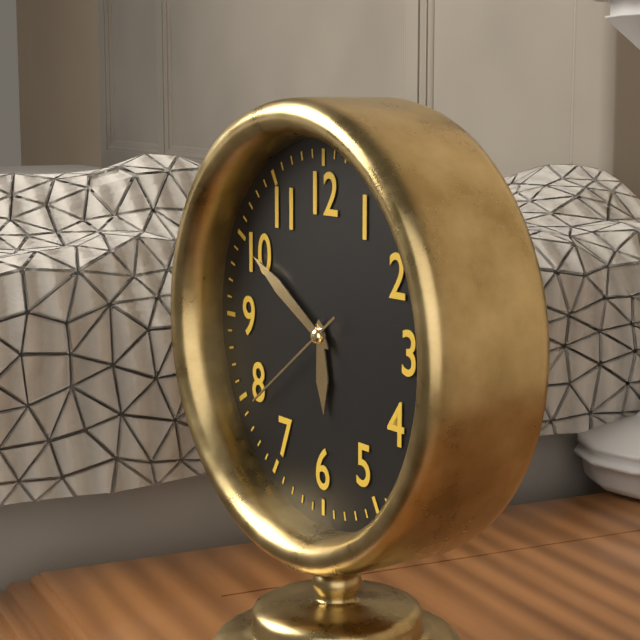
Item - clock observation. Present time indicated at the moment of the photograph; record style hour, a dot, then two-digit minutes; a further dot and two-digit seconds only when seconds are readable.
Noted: 5.50.39
